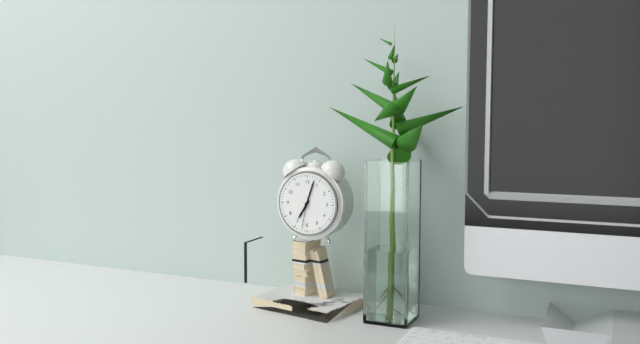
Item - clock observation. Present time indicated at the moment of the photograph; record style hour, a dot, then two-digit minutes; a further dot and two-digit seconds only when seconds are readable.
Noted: 7.03
